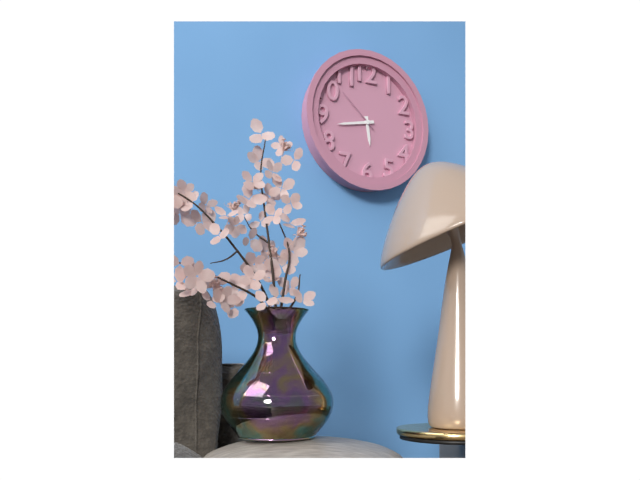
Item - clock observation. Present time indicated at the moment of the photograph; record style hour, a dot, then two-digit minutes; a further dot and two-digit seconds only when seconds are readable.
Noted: 5.43
